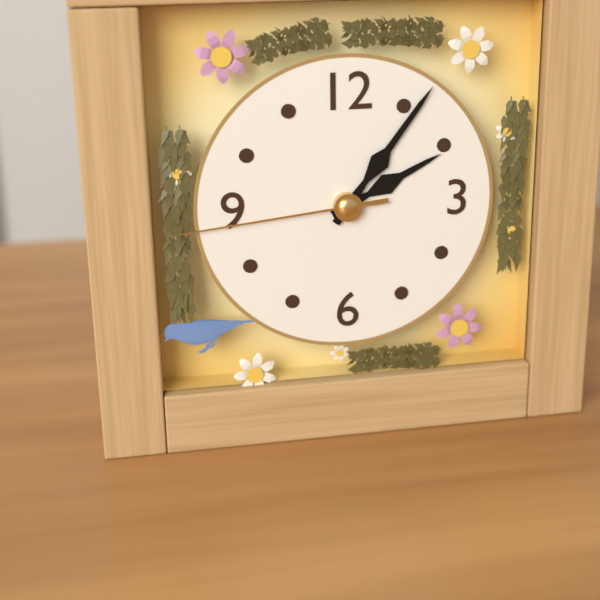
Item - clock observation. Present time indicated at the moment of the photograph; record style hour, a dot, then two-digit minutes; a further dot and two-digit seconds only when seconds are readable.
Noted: 2.06.44
